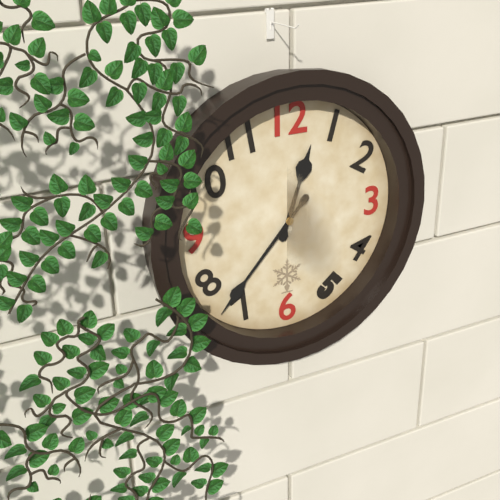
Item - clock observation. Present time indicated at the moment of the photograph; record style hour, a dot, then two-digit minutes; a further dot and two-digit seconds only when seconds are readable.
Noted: 12.37
